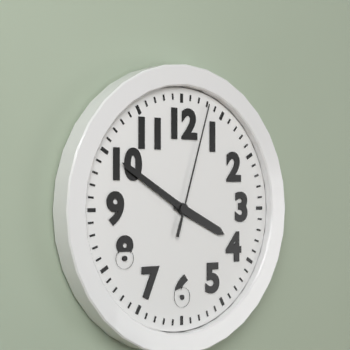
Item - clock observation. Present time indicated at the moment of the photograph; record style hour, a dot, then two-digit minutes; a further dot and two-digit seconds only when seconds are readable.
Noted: 3.50.03
